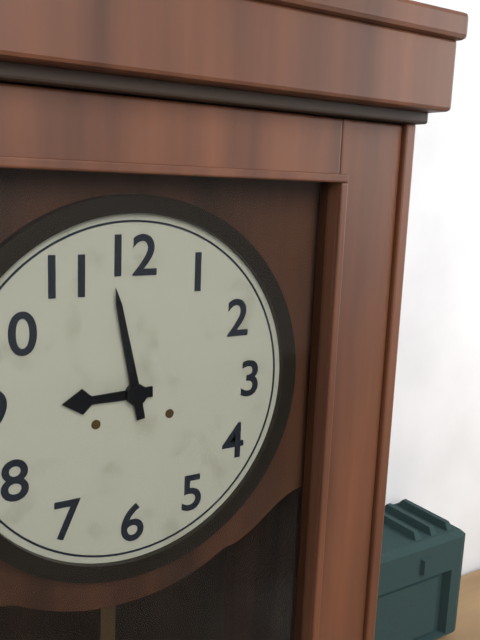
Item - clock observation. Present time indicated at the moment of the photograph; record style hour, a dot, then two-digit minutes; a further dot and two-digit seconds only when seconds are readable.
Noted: 8.58
